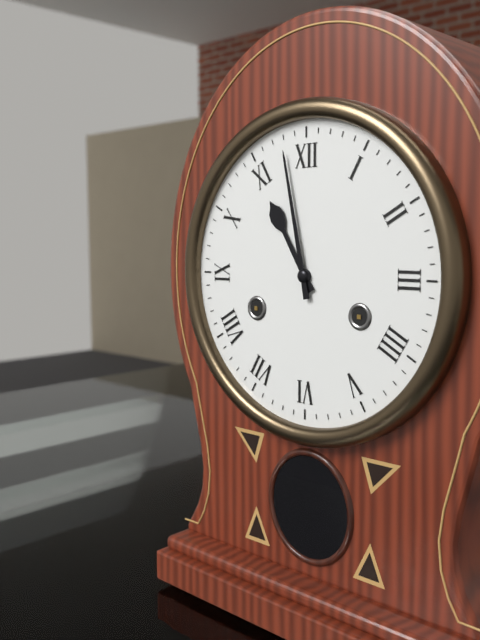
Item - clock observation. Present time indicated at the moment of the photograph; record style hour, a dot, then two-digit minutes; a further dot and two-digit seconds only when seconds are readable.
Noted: 10.58
